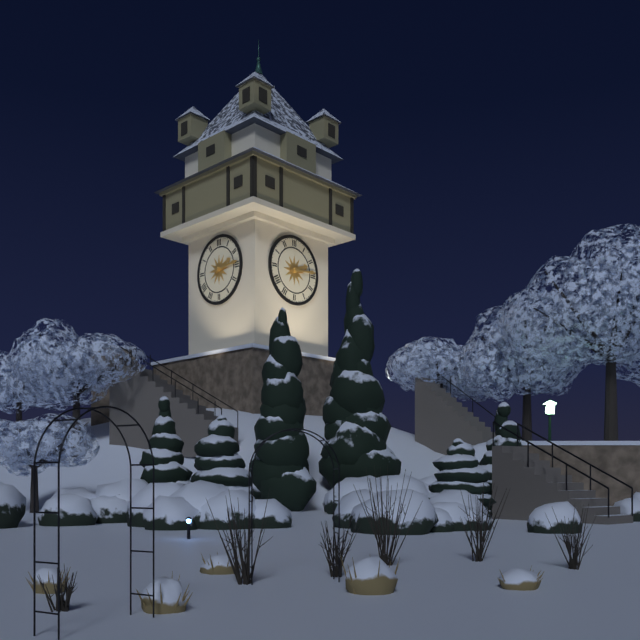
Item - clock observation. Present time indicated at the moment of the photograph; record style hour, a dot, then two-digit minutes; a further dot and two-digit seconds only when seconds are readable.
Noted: 2.14
